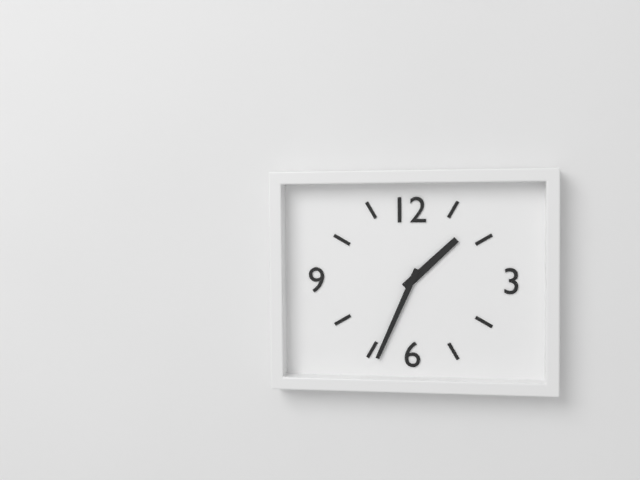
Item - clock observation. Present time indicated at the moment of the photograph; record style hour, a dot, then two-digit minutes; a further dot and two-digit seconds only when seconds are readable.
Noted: 1.34
